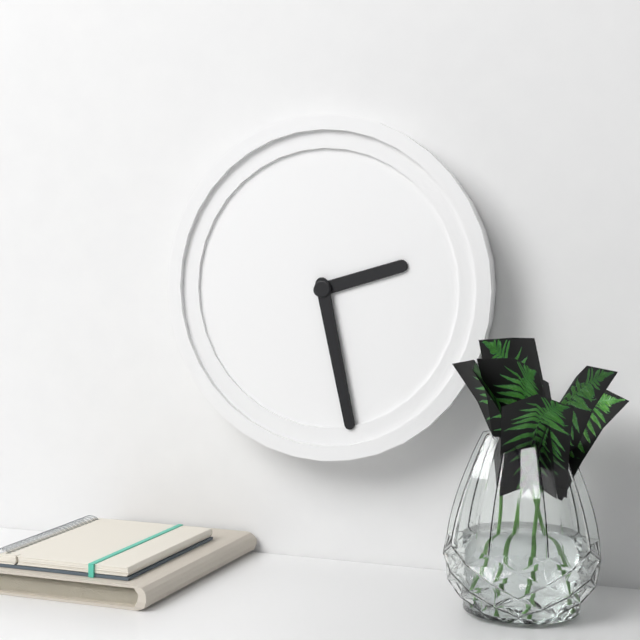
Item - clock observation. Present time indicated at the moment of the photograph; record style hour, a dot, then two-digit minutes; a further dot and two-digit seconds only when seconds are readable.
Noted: 2.28
